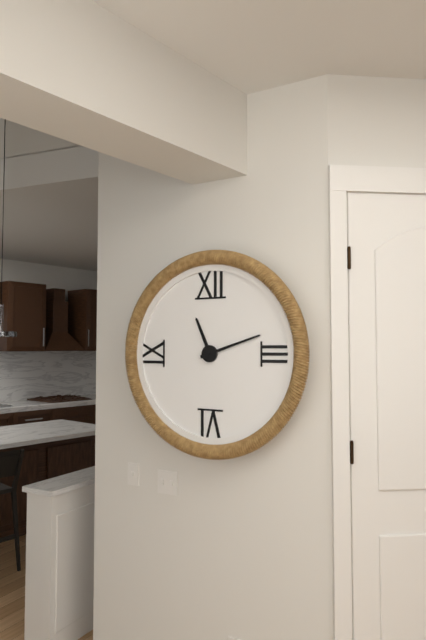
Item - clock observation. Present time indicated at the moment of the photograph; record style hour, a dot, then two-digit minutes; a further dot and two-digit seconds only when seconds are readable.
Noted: 11.12
